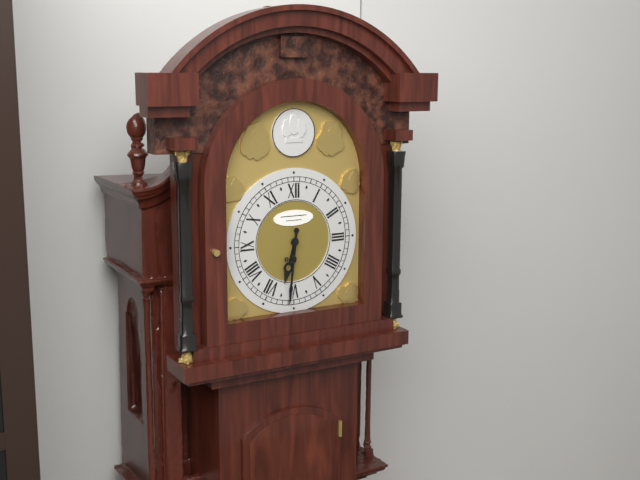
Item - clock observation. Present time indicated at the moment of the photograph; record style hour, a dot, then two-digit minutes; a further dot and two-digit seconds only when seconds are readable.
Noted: 6.31
